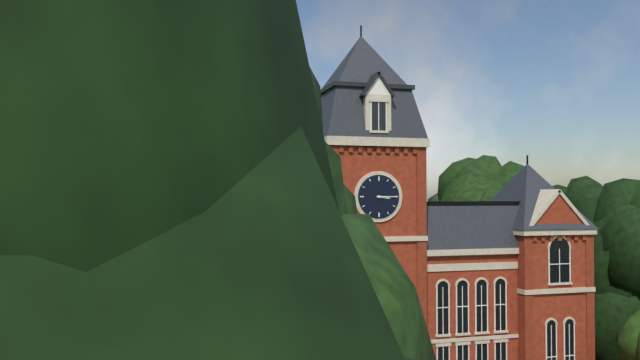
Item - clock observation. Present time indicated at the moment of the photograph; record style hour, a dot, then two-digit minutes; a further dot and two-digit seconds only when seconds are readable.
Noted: 3.15
